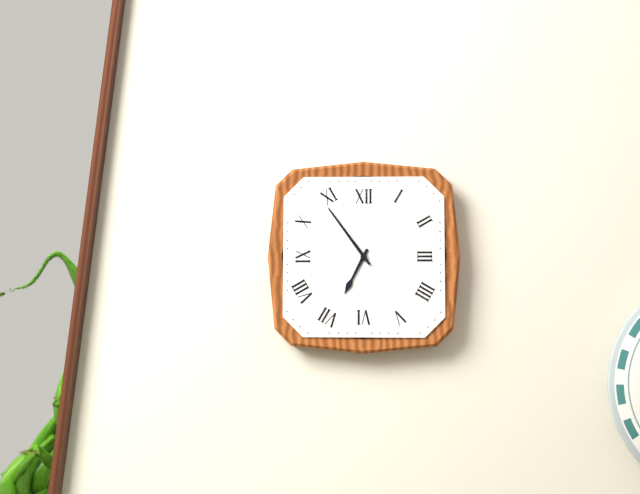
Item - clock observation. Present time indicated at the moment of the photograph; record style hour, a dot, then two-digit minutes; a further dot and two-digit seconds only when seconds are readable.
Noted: 6.54
